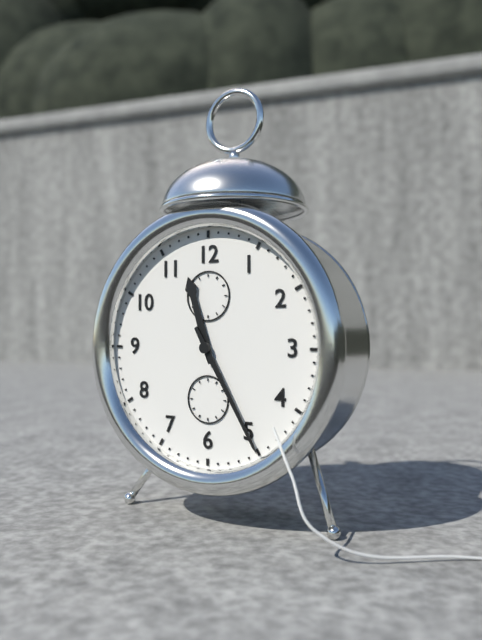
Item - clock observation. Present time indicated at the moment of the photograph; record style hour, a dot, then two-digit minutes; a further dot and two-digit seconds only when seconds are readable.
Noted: 11.25
